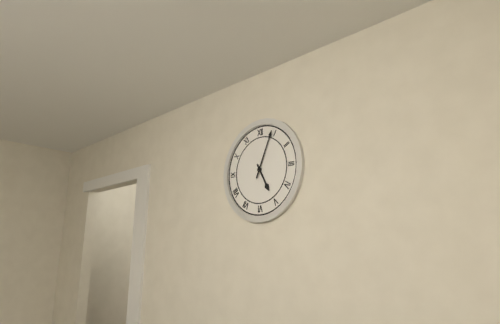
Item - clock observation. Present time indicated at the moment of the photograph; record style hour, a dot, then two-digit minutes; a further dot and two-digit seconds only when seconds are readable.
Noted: 5.04
